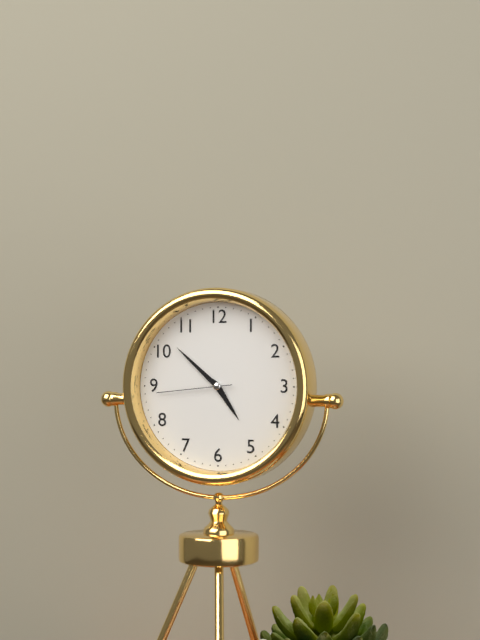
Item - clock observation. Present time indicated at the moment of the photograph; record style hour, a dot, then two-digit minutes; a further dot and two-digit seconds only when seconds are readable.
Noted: 4.52.44
